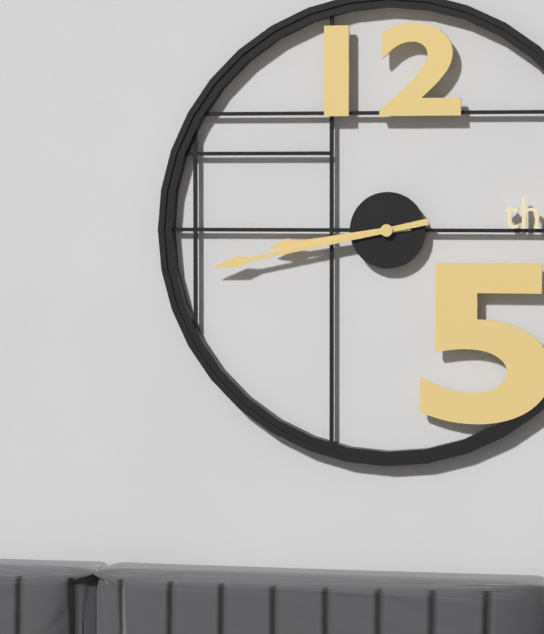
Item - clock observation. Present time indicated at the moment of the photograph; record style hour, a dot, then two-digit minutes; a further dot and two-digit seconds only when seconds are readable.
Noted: 8.43
